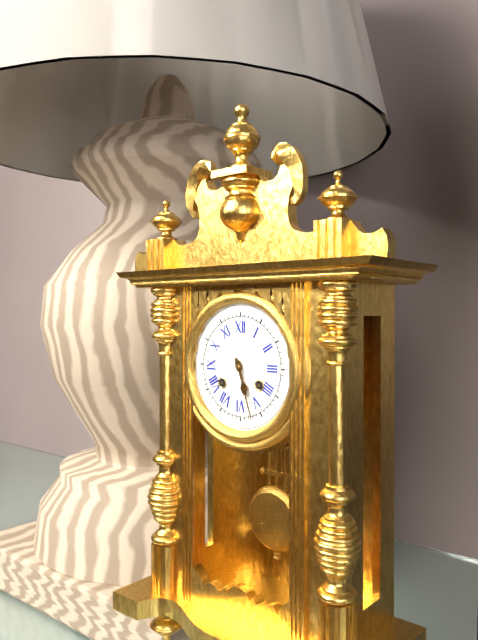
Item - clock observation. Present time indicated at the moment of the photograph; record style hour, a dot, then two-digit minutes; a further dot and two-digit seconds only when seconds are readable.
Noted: 5.27
